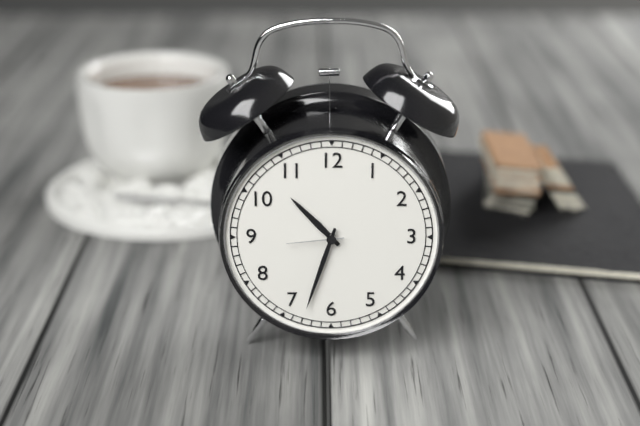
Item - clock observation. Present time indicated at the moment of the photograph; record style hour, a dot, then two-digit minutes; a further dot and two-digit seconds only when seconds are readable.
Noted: 10.33.44
